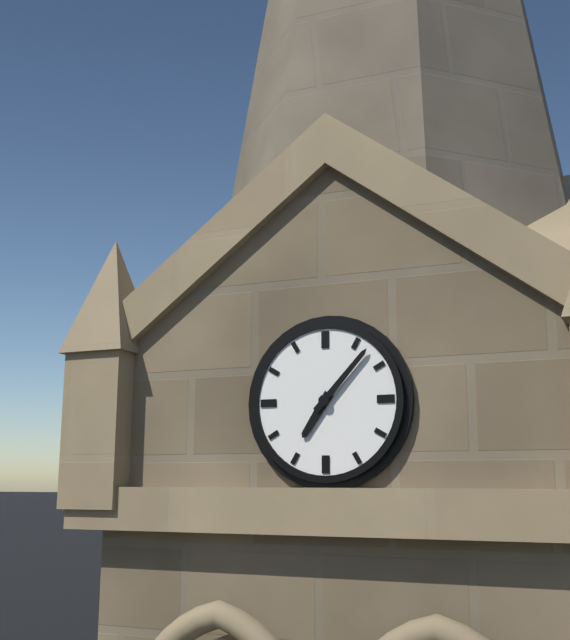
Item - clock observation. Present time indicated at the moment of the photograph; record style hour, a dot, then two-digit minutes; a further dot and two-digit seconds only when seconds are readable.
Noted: 7.07
